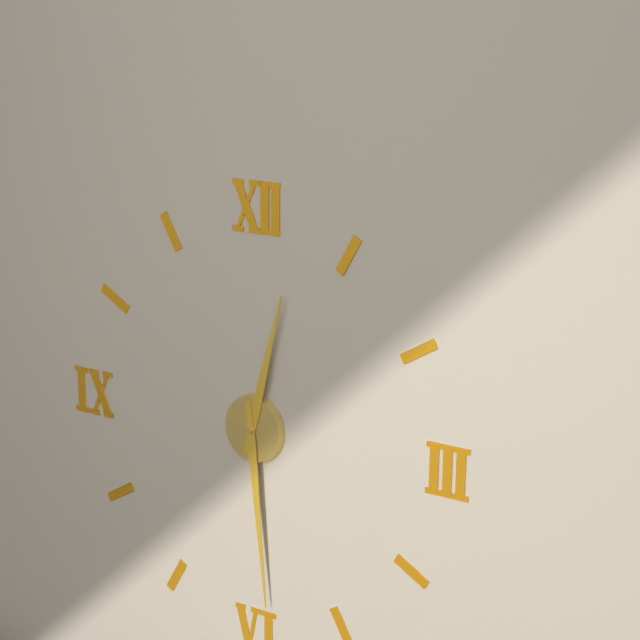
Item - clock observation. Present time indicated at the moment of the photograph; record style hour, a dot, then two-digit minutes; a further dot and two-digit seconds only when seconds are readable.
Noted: 12.29
